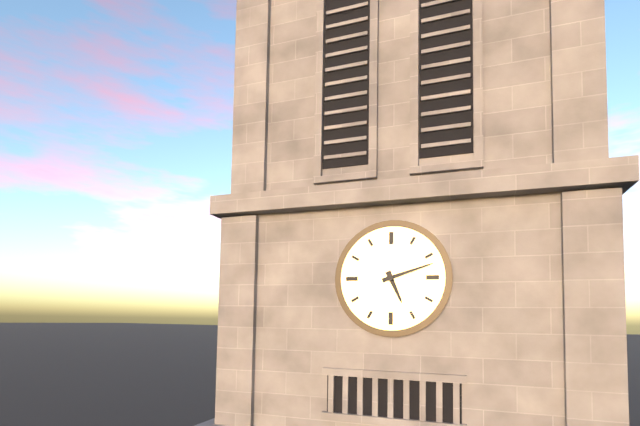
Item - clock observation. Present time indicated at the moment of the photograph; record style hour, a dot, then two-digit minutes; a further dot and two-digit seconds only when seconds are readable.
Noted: 5.12
